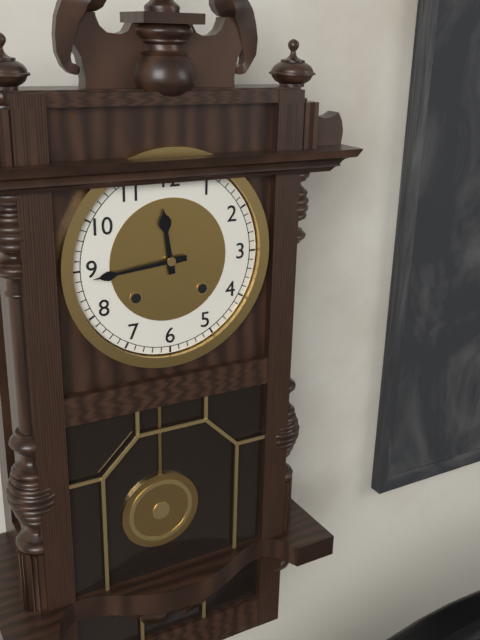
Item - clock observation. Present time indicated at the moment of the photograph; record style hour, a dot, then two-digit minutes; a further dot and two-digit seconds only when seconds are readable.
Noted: 11.44
